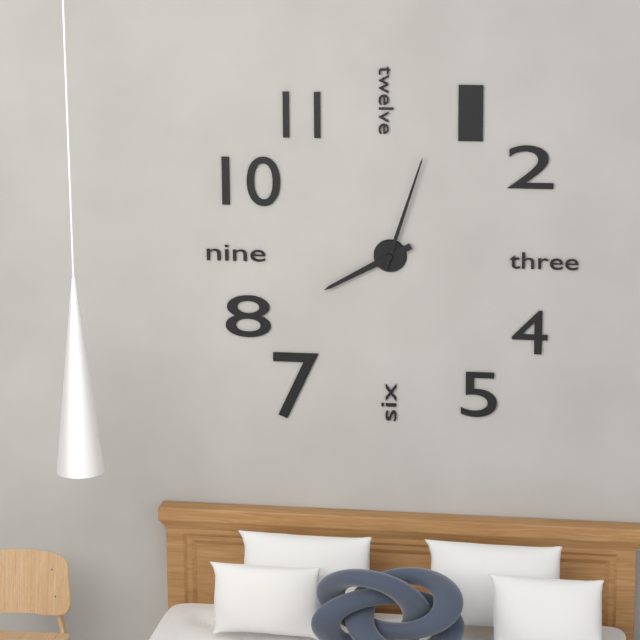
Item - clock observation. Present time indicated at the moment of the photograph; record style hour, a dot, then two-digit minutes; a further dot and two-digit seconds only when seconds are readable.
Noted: 8.03
